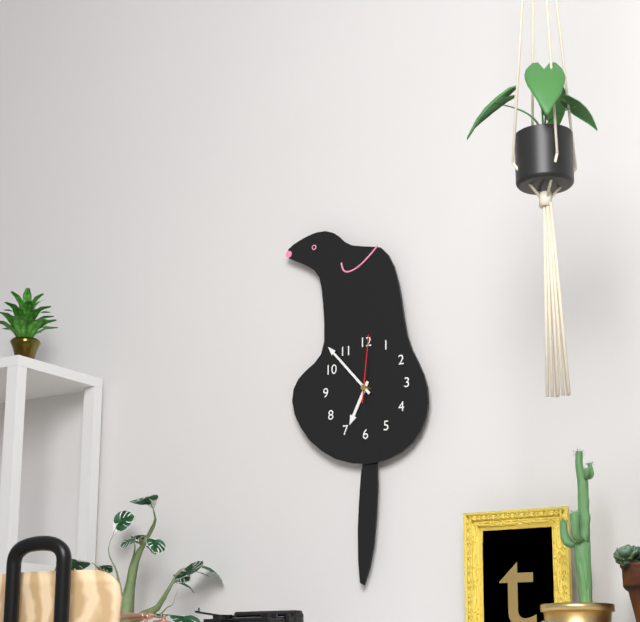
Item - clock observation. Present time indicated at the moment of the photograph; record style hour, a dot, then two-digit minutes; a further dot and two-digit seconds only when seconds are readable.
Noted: 6.53.01
